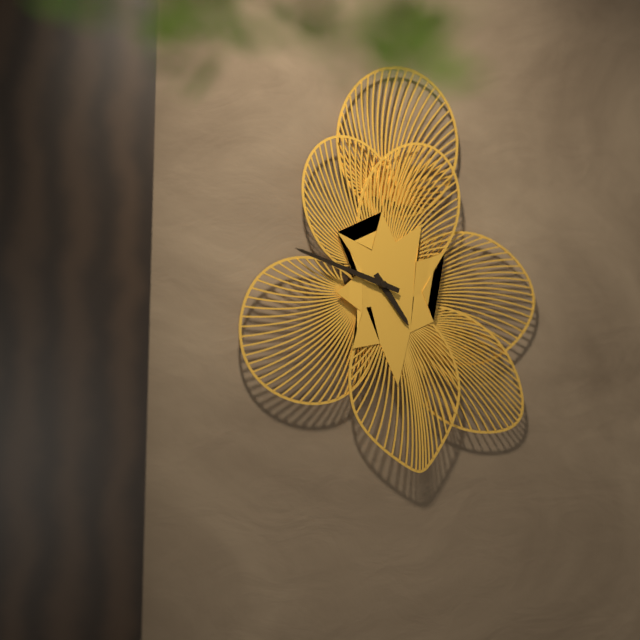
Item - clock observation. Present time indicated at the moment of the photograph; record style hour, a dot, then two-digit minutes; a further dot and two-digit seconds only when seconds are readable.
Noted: 4.48
